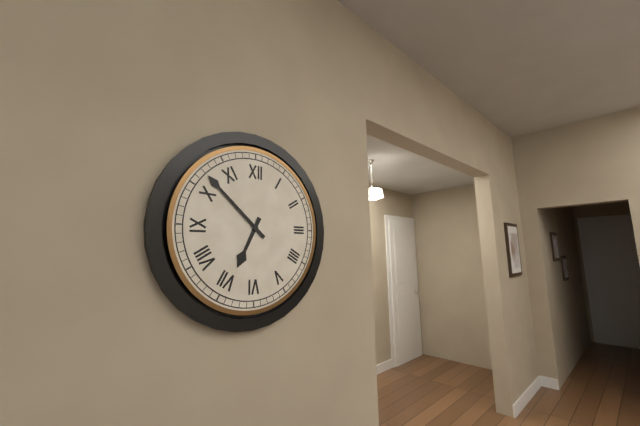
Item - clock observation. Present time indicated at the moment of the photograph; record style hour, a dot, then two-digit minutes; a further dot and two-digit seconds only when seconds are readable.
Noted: 6.52
